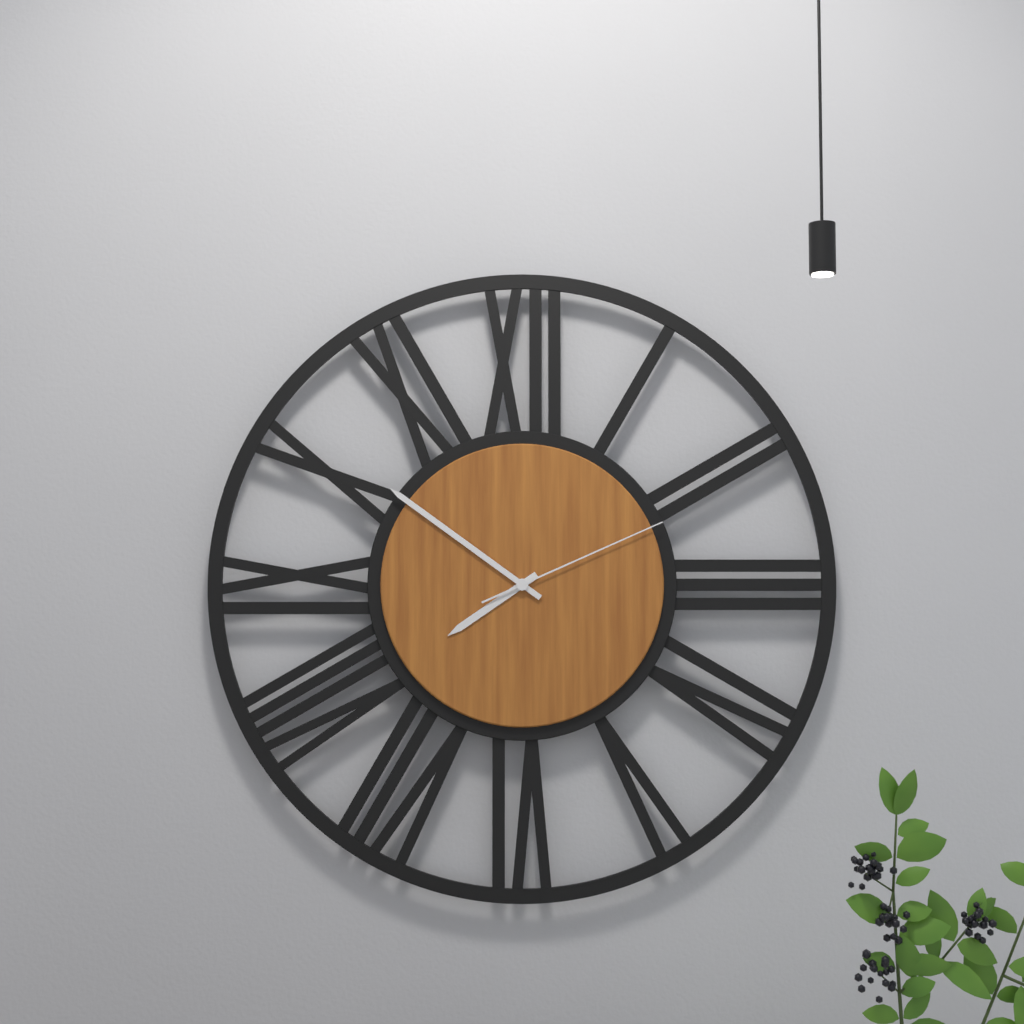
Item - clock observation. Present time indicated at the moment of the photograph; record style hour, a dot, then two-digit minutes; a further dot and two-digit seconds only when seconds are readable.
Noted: 7.51.11
